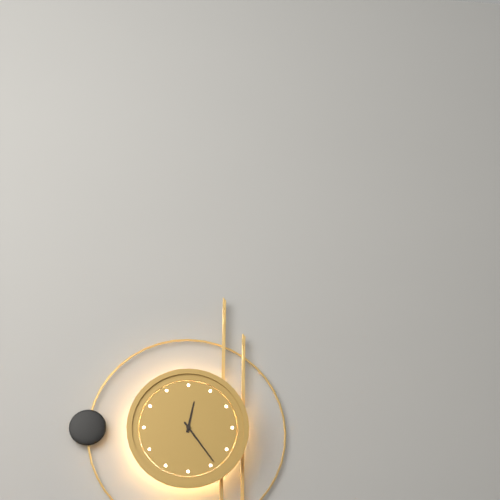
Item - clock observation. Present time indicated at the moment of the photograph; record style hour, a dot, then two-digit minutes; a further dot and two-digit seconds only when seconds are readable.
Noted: 12.24
